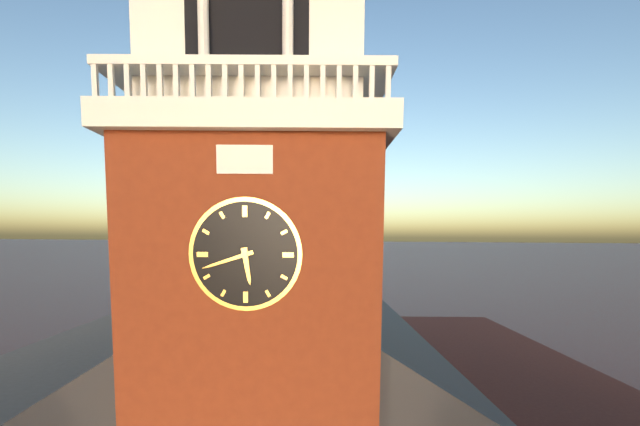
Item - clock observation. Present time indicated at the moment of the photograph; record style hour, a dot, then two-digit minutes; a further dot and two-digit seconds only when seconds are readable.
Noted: 5.42
